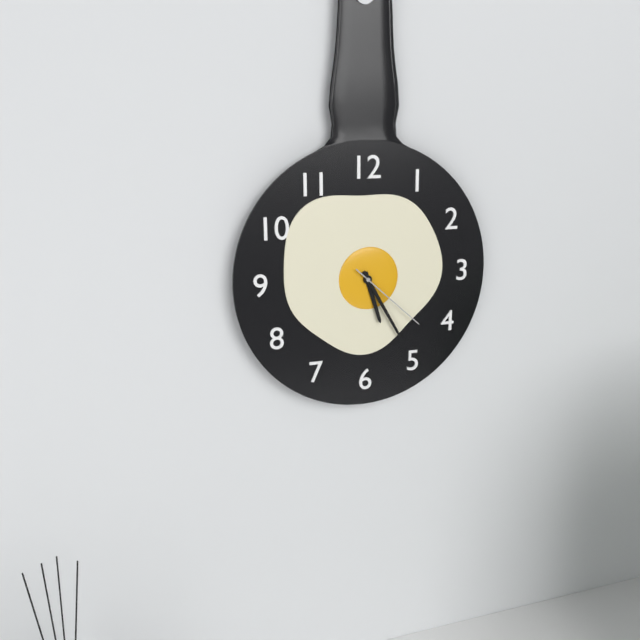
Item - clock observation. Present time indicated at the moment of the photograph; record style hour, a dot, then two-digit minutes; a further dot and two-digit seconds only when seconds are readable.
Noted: 5.25.22
